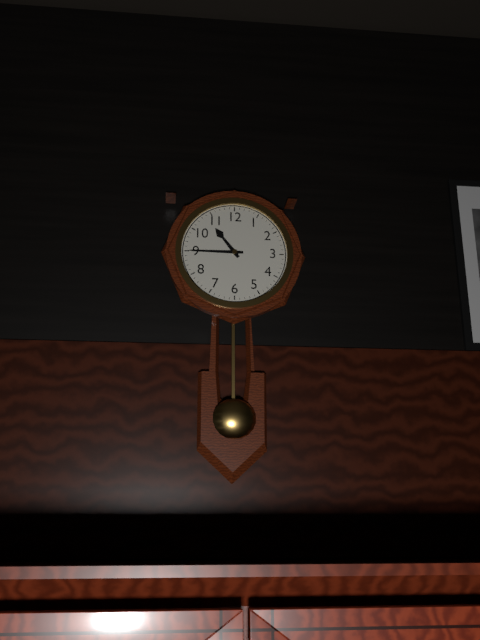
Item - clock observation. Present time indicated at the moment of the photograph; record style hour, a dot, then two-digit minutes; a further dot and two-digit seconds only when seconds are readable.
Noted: 10.45
